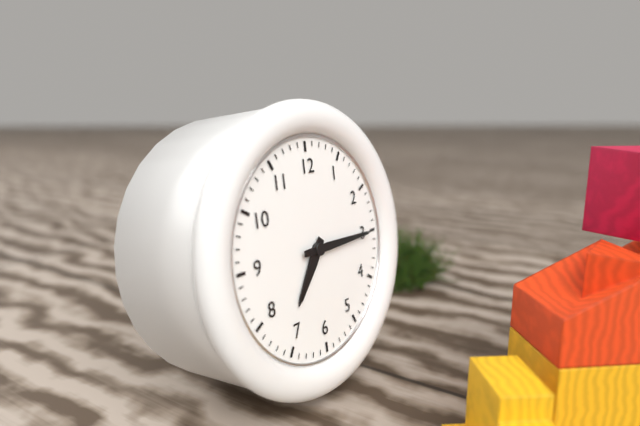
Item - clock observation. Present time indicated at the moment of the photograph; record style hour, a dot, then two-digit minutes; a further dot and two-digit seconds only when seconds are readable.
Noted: 7.15
